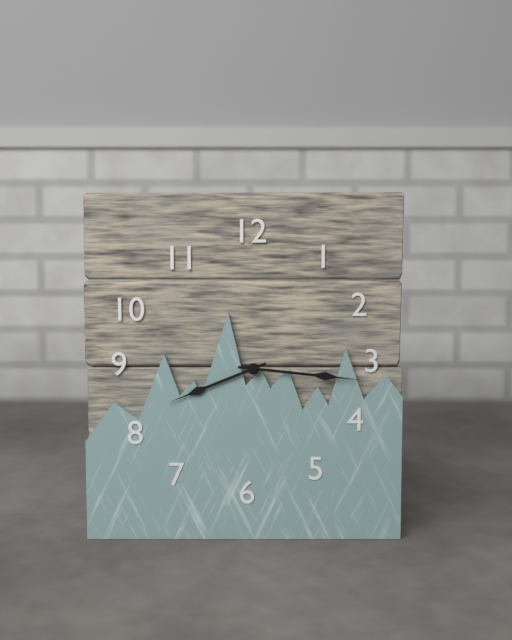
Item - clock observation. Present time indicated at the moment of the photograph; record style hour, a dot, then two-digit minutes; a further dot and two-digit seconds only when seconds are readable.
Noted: 8.16
